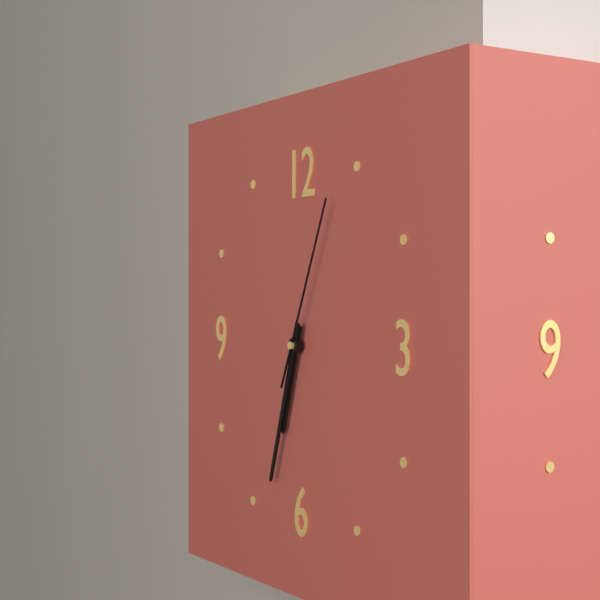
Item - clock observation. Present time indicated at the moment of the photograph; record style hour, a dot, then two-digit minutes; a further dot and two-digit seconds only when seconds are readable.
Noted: 6.33.04
